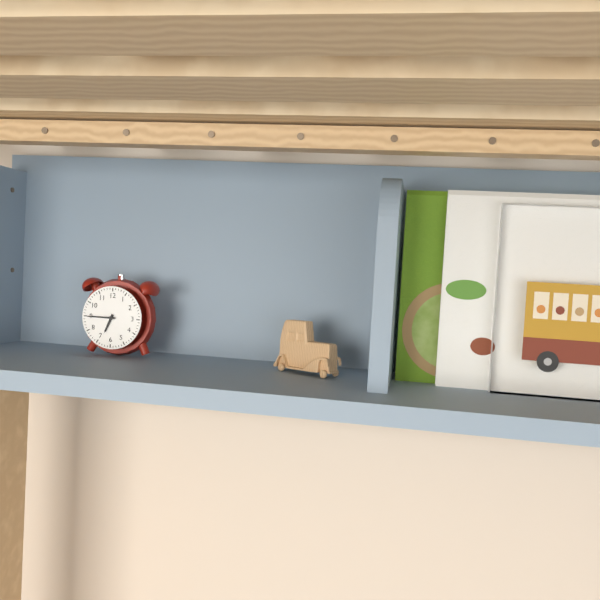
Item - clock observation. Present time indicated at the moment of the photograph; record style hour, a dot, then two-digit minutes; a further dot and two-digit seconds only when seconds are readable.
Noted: 6.45
